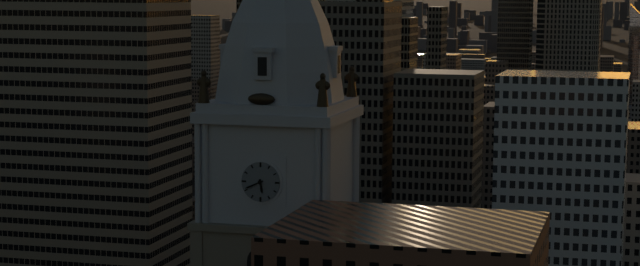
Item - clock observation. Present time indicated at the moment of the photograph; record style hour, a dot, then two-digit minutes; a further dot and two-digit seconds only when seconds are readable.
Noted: 5.41
